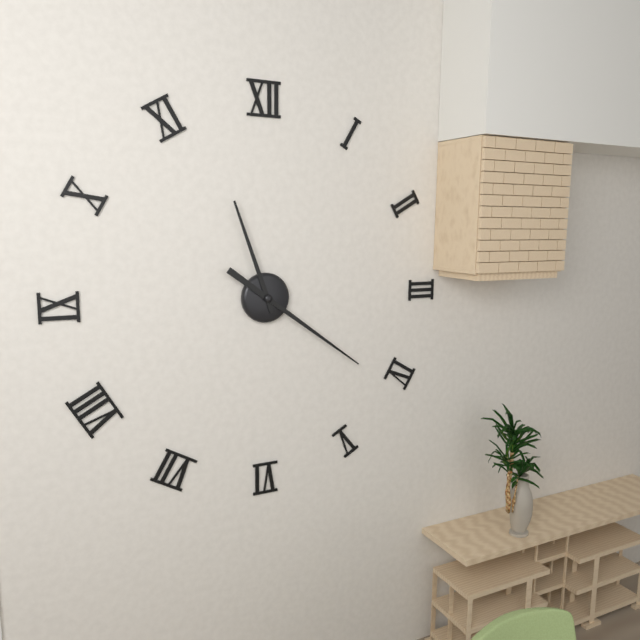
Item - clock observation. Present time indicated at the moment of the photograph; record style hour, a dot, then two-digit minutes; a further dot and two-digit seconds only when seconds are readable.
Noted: 11.21
